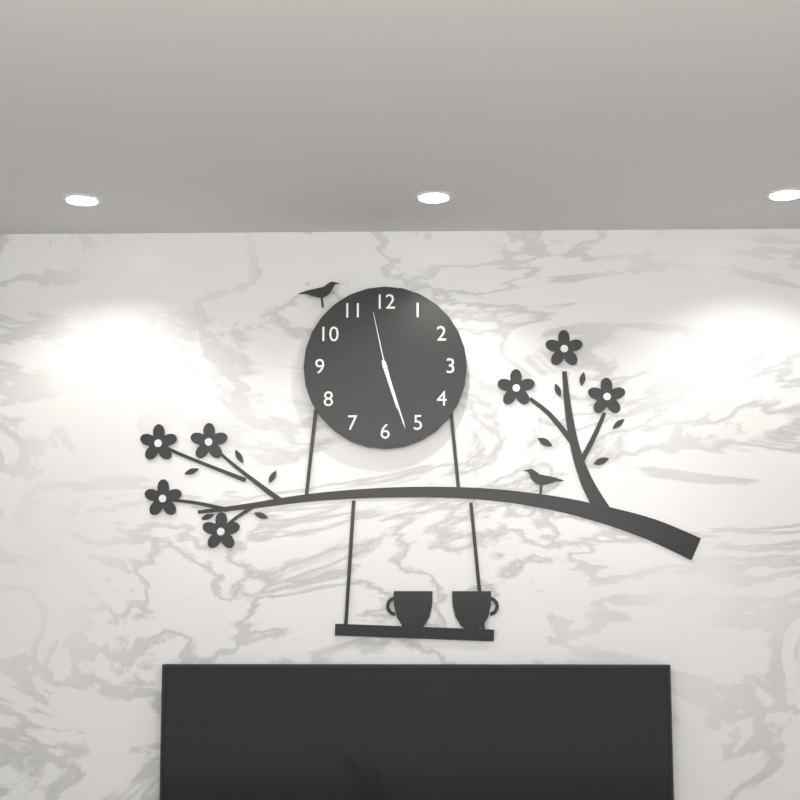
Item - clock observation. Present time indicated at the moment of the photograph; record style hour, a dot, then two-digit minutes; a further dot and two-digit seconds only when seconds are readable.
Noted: 5.27.58
